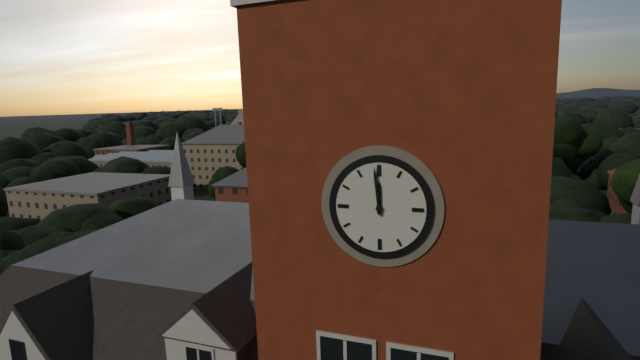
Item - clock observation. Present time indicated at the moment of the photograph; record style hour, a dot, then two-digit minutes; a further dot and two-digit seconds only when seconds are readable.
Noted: 11.59
